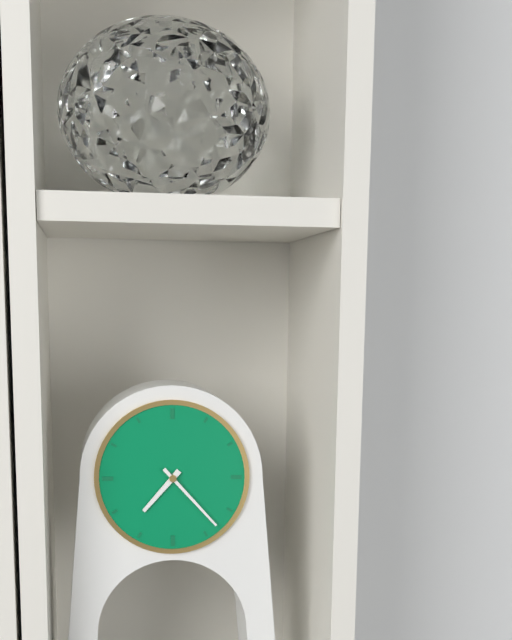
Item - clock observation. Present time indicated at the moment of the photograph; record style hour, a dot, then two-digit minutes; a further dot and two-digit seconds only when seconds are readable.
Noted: 7.23
